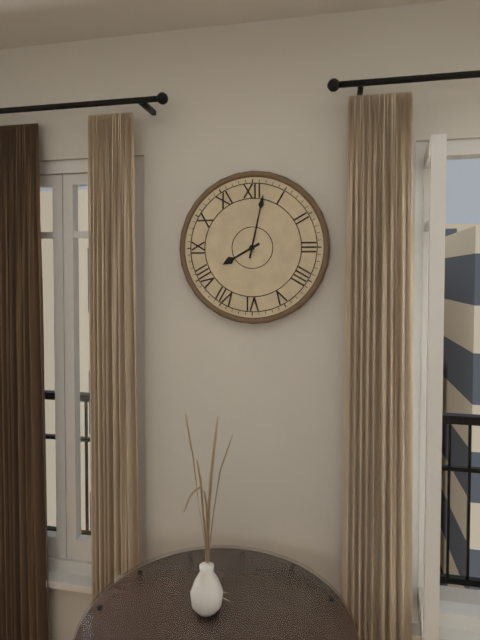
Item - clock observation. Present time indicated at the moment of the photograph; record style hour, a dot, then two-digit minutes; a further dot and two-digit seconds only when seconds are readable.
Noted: 8.02
